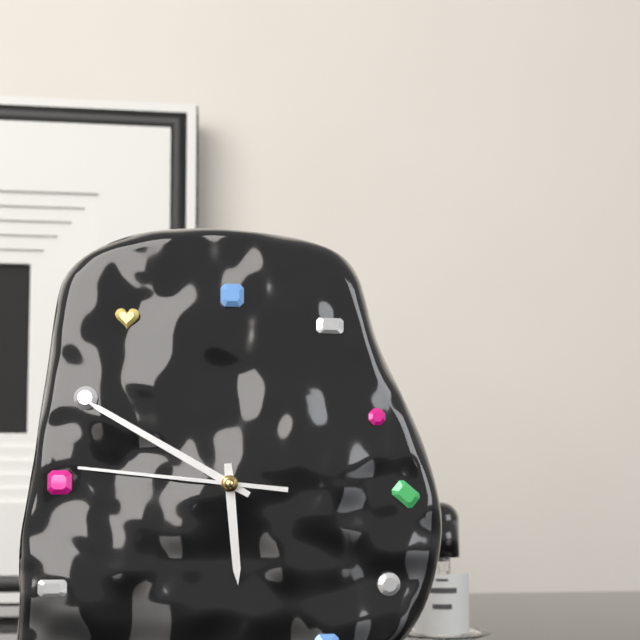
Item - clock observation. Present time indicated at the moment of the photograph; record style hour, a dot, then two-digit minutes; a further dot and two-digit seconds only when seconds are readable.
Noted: 5.50.46
